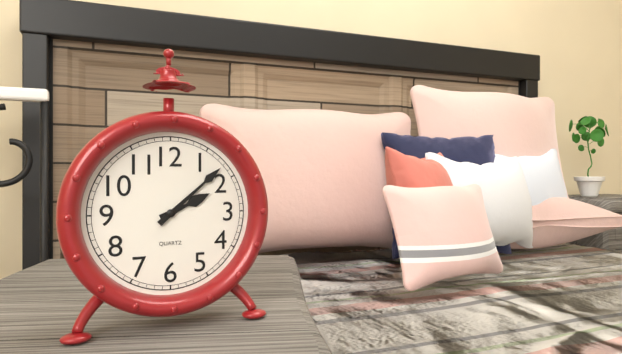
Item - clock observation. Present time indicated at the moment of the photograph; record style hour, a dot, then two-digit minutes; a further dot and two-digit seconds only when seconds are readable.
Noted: 2.08
